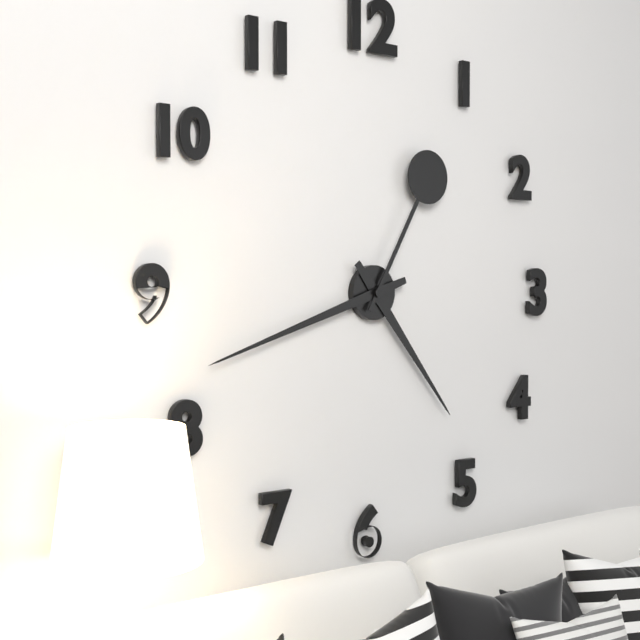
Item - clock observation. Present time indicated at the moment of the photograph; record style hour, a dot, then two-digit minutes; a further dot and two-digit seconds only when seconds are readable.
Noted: 4.42.05
